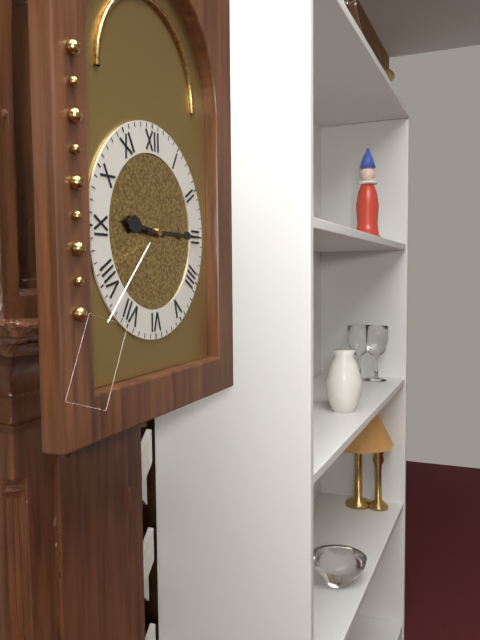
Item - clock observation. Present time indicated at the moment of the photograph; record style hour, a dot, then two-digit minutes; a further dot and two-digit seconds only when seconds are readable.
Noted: 9.15
